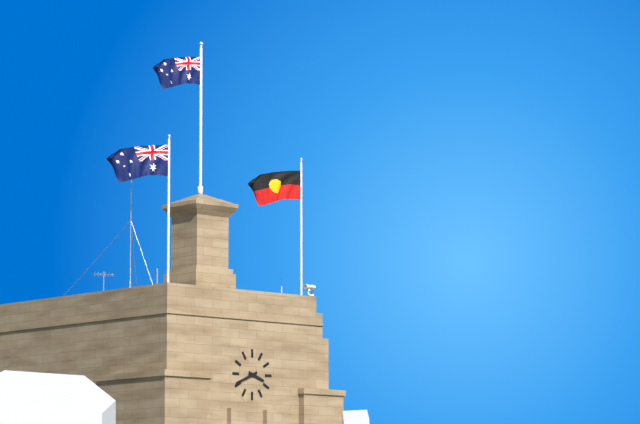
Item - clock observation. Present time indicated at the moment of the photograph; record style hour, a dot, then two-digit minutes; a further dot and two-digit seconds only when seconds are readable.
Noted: 3.41
